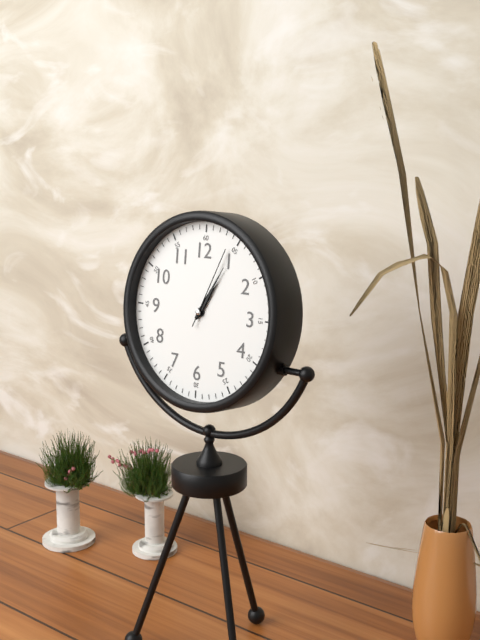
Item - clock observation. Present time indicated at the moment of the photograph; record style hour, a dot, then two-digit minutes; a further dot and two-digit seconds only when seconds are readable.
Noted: 1.05.04
